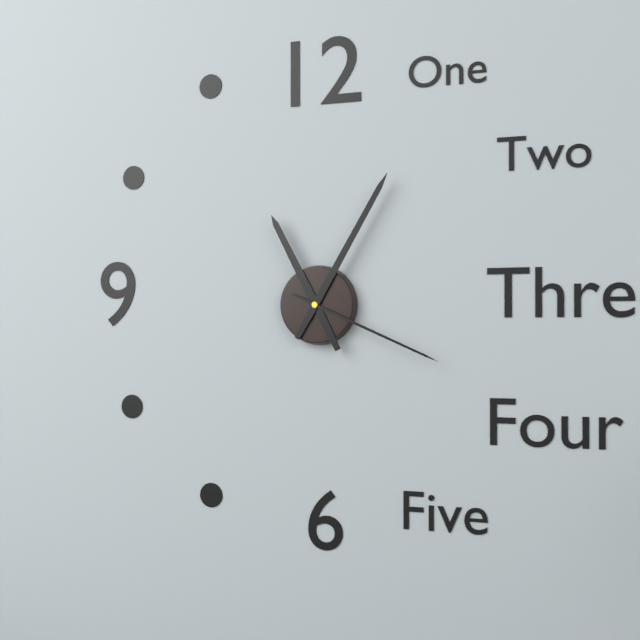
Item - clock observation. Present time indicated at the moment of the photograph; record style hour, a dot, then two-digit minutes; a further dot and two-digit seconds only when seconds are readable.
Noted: 11.05.19
